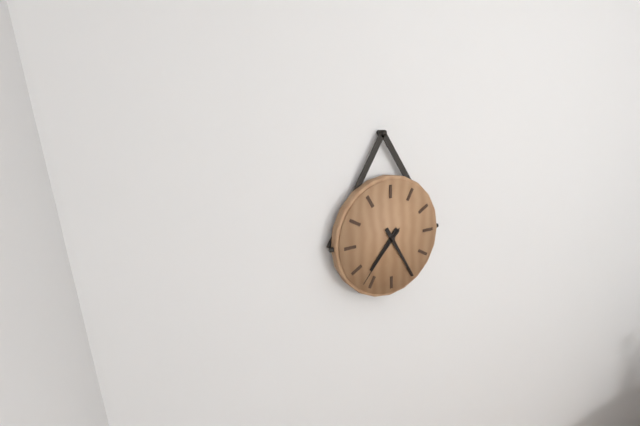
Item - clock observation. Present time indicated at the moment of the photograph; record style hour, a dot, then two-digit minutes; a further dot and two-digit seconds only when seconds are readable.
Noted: 7.25.37
